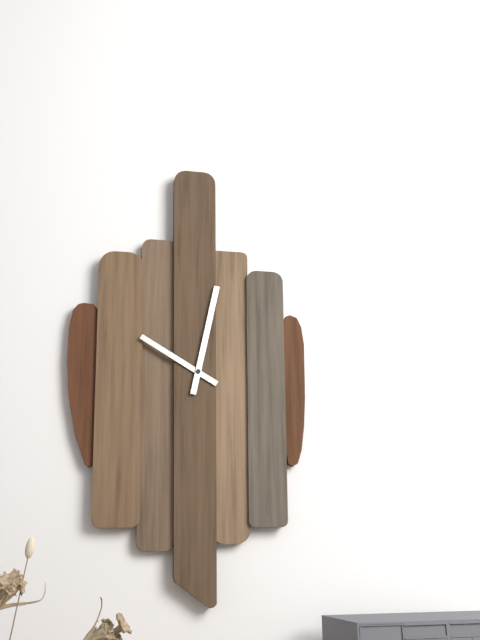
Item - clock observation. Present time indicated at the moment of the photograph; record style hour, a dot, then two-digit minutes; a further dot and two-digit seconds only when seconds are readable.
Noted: 10.02
